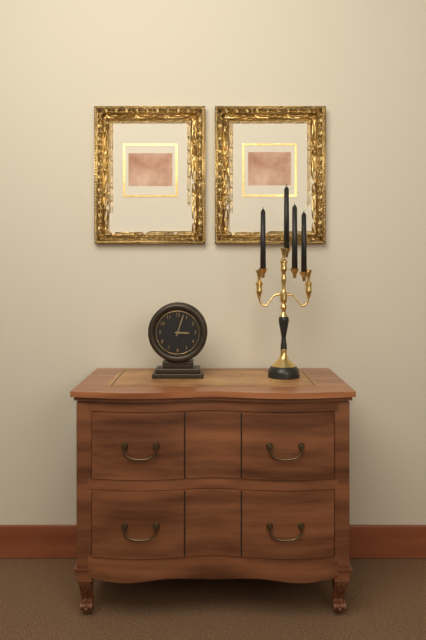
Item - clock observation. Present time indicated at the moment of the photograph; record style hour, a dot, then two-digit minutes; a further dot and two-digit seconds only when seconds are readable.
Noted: 3.03
